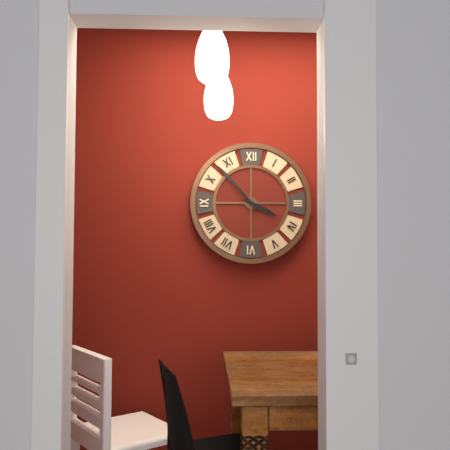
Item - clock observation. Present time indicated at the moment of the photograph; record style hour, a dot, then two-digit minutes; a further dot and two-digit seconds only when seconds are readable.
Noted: 3.53
